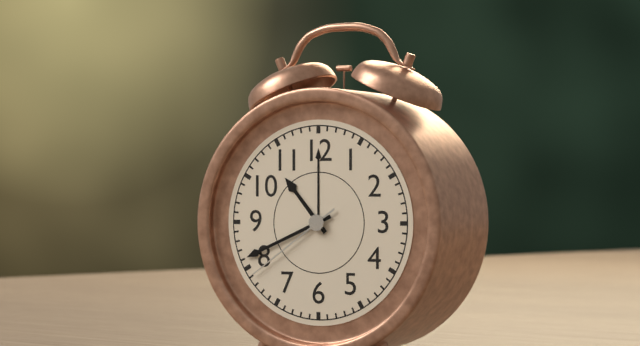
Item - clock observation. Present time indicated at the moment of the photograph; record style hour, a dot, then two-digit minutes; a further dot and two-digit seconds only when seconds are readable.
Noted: 10.41.39
